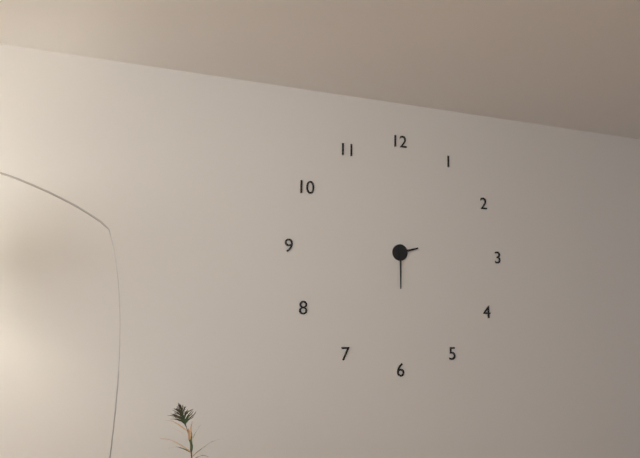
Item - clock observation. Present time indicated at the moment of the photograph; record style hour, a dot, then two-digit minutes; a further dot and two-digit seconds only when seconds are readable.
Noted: 2.30
